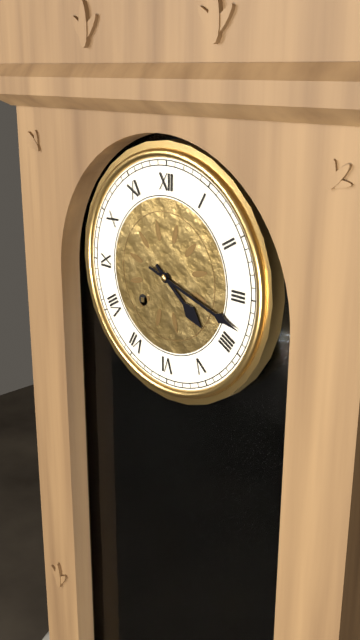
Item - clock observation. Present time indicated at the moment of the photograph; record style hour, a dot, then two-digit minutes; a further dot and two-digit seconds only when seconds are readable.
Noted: 4.18
